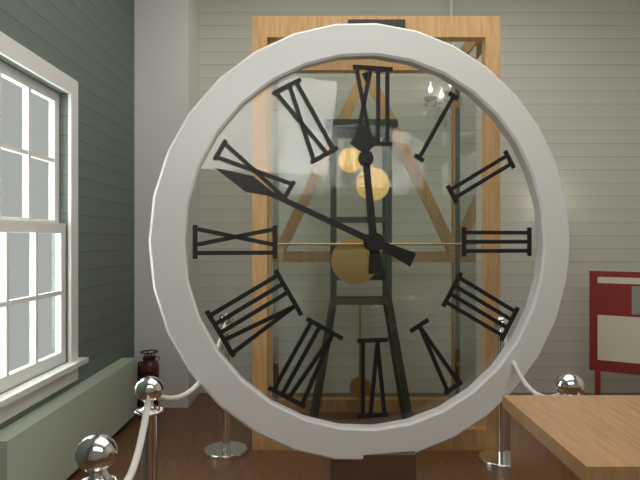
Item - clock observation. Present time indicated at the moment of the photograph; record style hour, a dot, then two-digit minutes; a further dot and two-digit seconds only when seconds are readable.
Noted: 11.49
